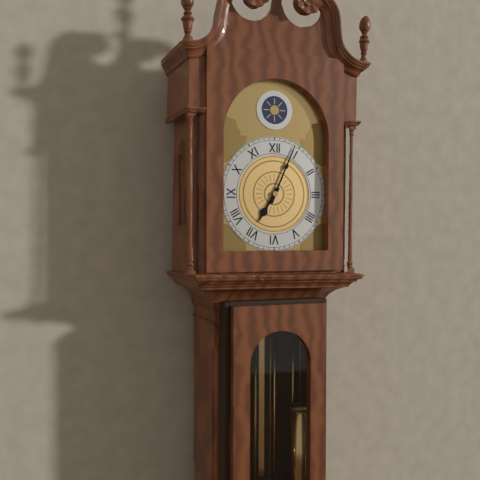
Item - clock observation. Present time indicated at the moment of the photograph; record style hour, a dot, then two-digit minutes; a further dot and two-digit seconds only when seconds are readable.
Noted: 7.04
